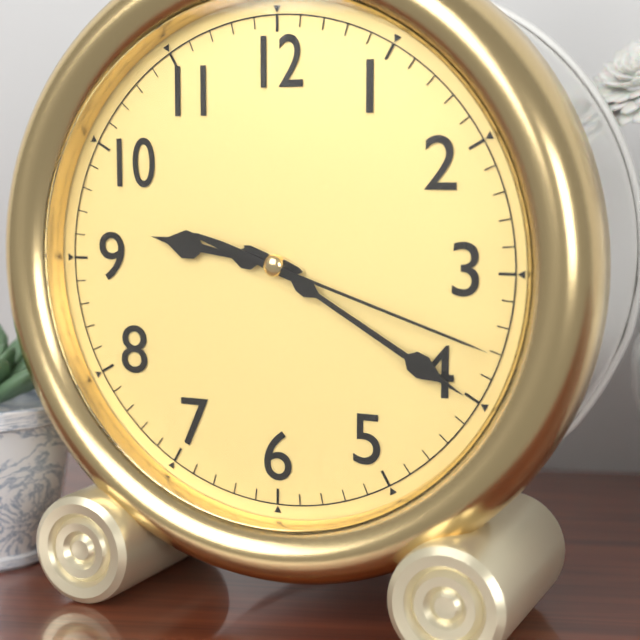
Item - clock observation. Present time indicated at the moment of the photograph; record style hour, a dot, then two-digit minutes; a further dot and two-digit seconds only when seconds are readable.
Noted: 9.20.18
